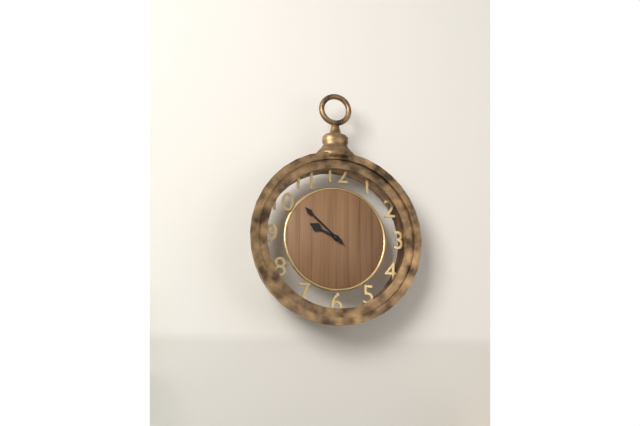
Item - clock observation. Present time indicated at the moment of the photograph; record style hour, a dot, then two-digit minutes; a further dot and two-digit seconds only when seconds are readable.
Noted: 9.52
